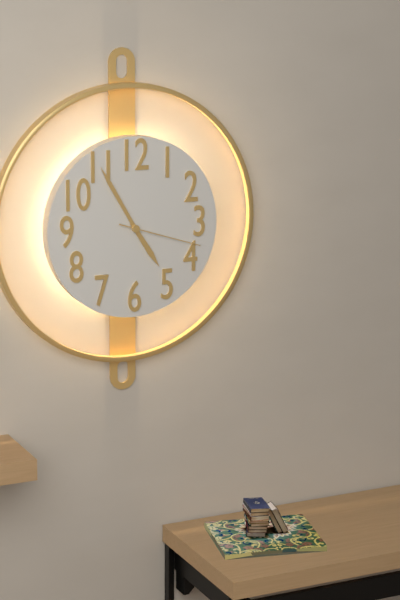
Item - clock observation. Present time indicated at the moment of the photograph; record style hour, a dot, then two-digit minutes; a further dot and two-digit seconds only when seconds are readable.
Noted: 4.55.18
